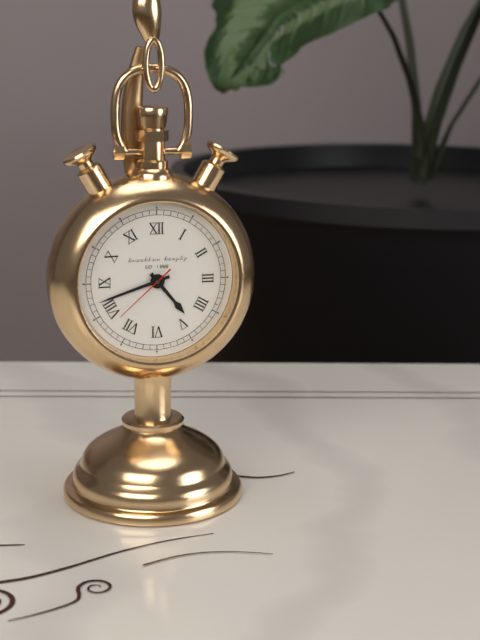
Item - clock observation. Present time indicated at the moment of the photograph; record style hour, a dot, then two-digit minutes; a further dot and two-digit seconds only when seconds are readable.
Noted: 4.42.38
